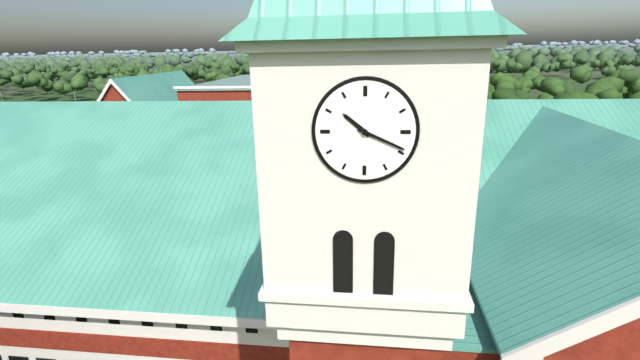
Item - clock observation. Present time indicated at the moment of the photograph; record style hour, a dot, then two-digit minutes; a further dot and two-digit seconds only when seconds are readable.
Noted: 10.19
